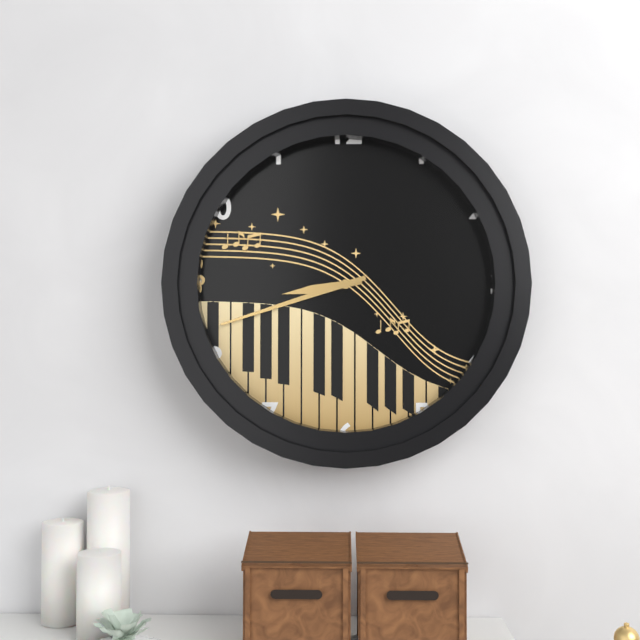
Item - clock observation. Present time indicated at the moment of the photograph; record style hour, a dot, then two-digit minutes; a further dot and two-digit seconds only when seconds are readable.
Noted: 8.42
